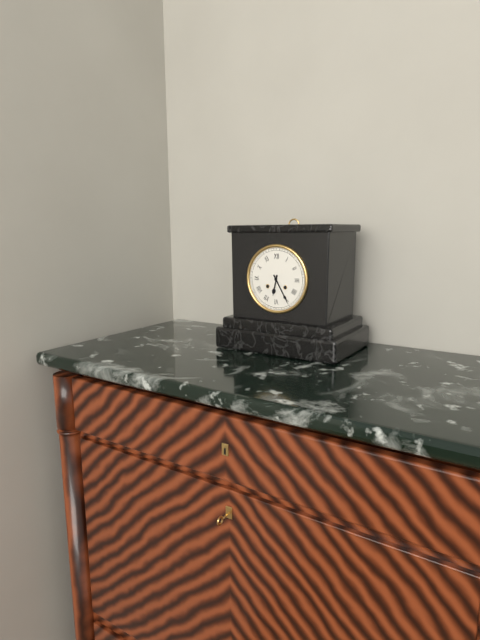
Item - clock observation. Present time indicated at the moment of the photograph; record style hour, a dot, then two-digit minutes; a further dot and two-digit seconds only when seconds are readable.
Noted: 6.25
